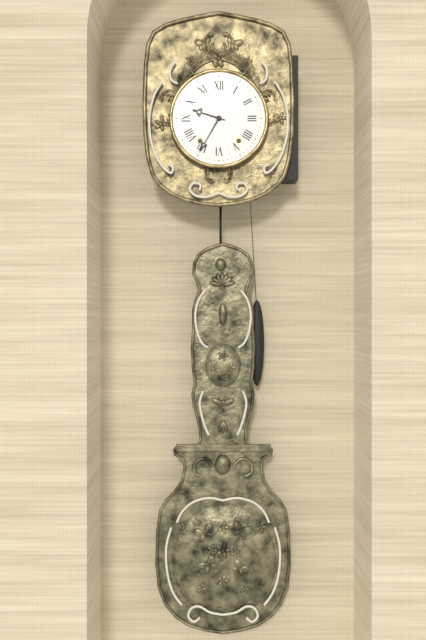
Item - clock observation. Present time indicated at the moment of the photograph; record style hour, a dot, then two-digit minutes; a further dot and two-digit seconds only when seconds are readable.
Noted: 9.35
